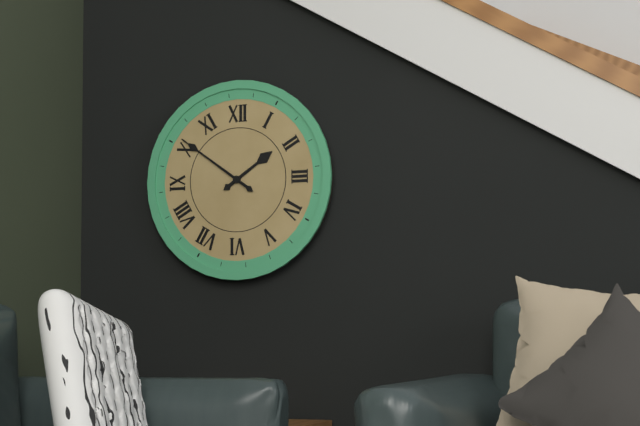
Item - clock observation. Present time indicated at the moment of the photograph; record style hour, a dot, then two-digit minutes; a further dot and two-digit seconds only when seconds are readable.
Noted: 1.51
